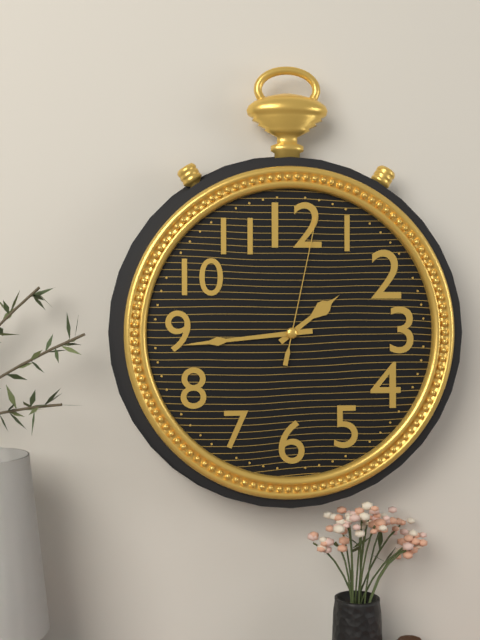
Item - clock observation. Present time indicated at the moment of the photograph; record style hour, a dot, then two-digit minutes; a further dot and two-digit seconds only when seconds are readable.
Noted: 1.44.02
